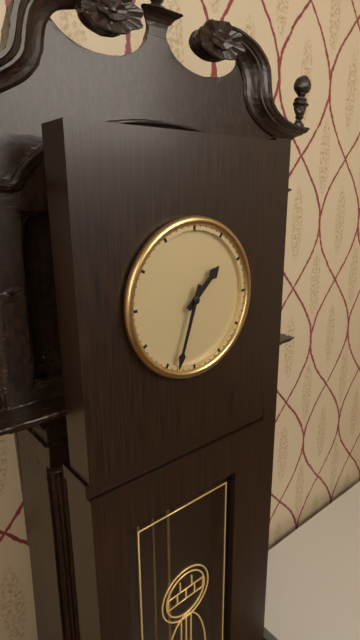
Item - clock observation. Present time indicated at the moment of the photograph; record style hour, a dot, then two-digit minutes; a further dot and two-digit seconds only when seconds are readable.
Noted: 1.33
